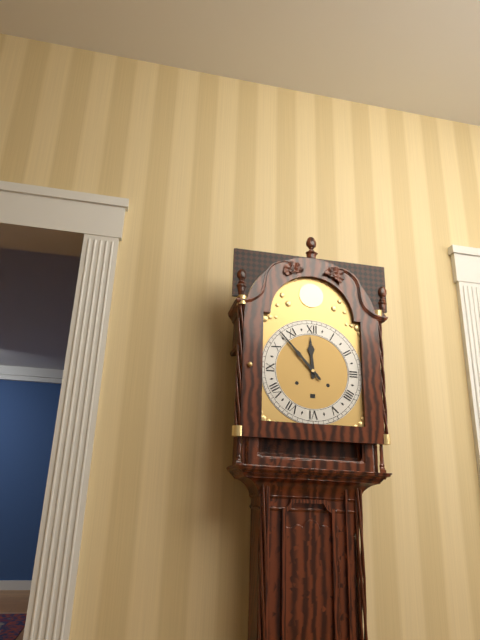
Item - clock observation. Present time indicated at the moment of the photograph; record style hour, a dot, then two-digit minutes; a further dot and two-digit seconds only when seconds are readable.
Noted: 11.53
